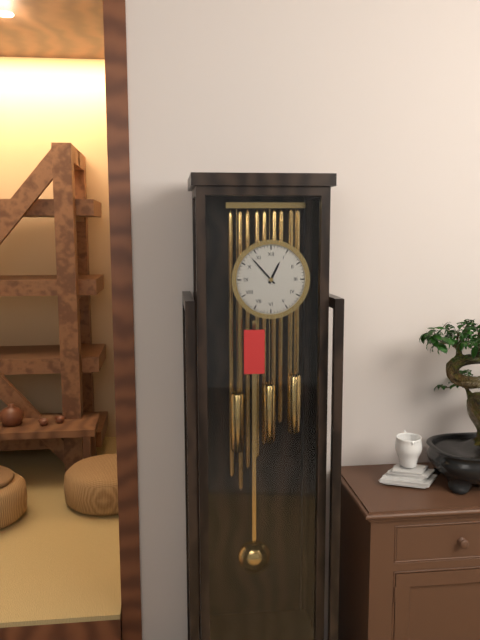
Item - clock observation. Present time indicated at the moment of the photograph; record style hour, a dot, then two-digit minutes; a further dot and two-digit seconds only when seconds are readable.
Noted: 12.53
